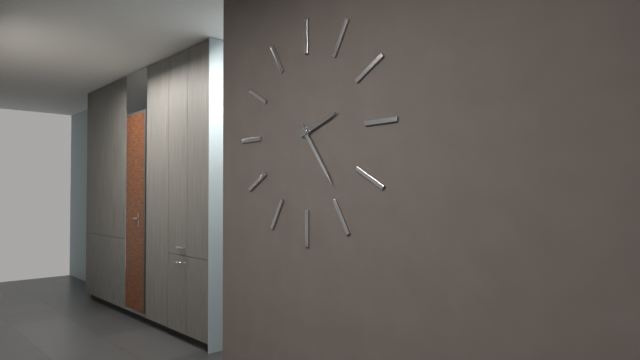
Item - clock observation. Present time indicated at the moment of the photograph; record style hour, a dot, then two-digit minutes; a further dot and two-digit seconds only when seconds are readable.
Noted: 2.24
